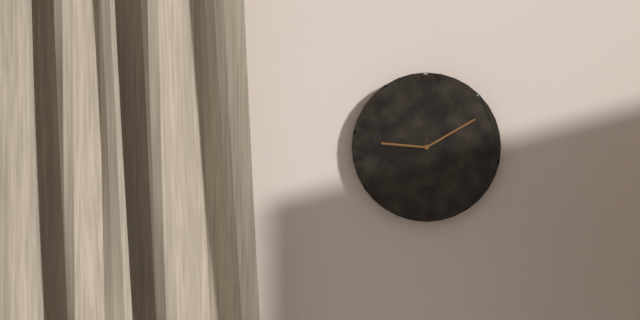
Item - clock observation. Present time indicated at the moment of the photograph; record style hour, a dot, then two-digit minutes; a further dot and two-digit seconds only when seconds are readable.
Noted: 9.10
